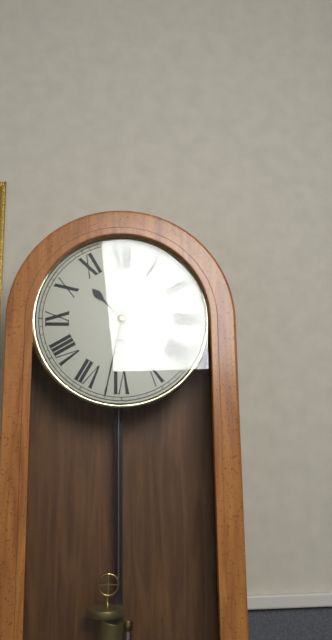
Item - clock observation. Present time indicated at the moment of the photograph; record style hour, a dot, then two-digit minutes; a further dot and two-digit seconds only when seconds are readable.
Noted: 10.32
